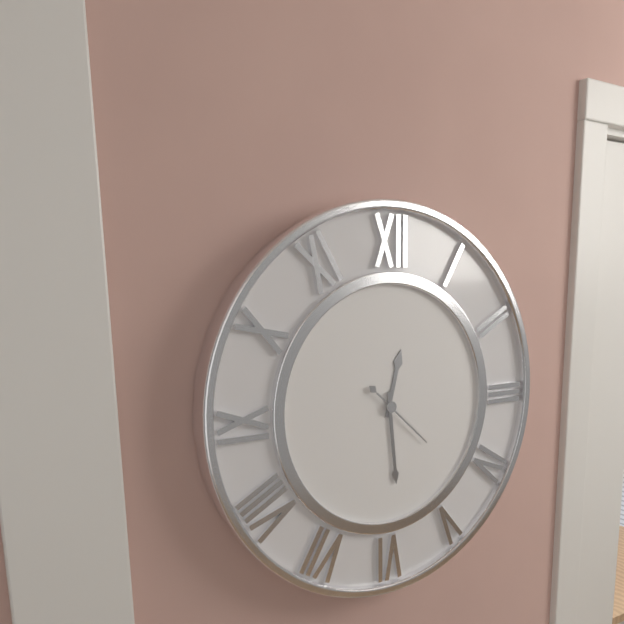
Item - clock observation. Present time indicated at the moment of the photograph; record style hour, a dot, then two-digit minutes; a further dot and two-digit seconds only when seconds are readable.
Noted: 12.29.22
